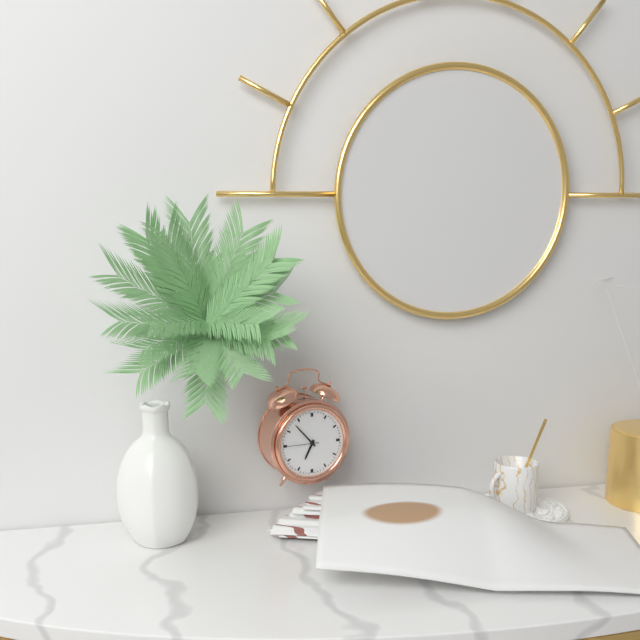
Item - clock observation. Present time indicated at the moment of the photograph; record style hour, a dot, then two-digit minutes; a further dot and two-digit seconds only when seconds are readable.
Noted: 6.53
